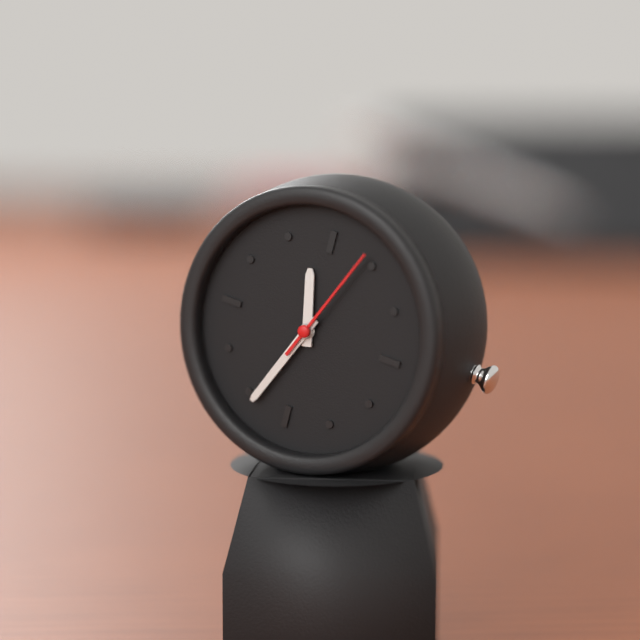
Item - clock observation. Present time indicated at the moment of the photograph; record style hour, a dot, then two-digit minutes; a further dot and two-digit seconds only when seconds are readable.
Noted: 11.34.04
